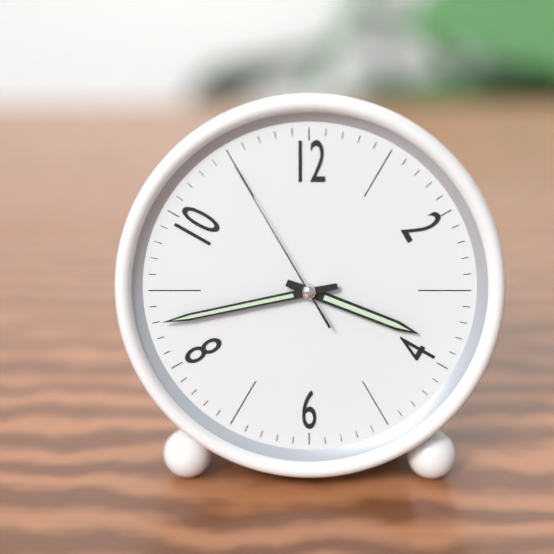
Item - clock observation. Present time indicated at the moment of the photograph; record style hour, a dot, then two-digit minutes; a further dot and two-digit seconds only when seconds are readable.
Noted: 3.43.55
